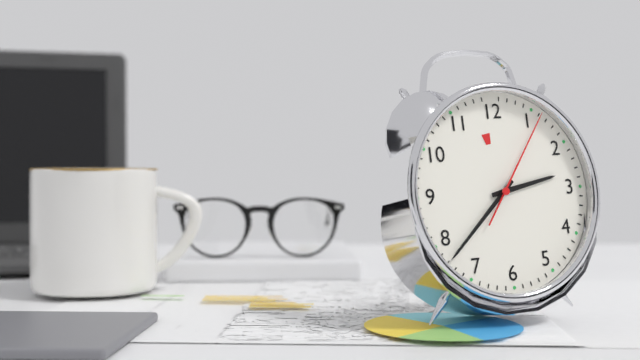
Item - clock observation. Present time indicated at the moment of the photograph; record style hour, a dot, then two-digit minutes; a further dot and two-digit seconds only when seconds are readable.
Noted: 2.38.06
